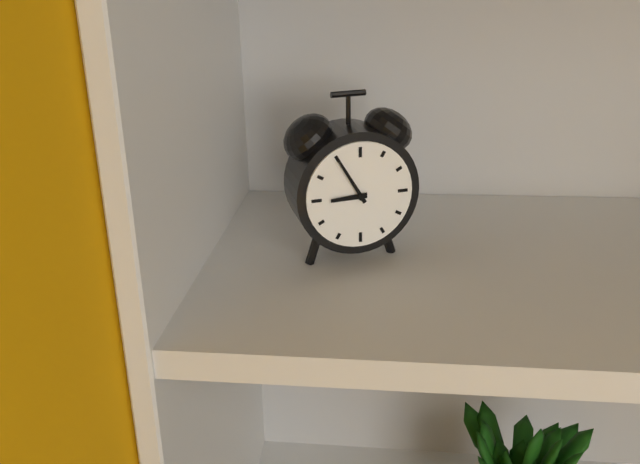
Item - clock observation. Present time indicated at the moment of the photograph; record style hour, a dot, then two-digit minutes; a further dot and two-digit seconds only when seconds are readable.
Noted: 8.55
